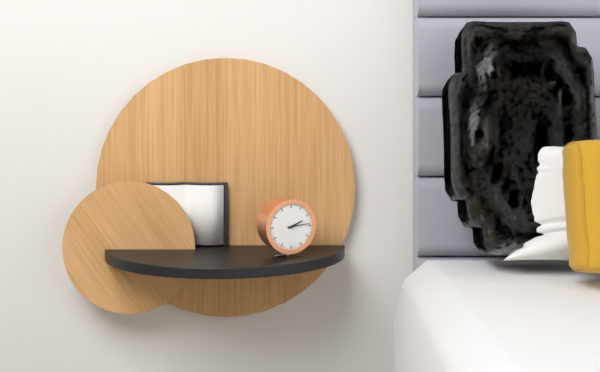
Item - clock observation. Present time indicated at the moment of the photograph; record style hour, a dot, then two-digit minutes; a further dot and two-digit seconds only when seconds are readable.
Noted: 2.14
